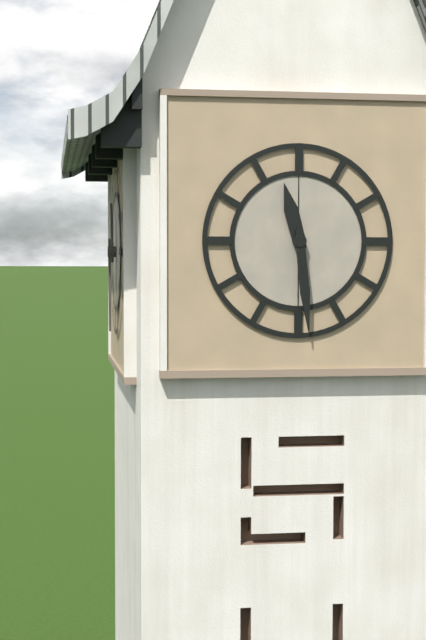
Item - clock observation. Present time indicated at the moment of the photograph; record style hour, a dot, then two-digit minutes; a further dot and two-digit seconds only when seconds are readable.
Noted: 11.29
